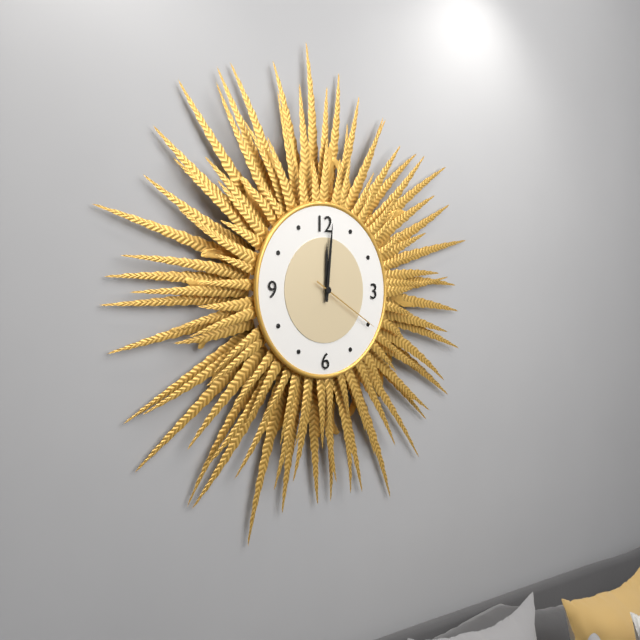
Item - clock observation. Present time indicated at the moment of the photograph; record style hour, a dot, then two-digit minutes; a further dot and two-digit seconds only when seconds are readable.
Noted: 12.01.20
